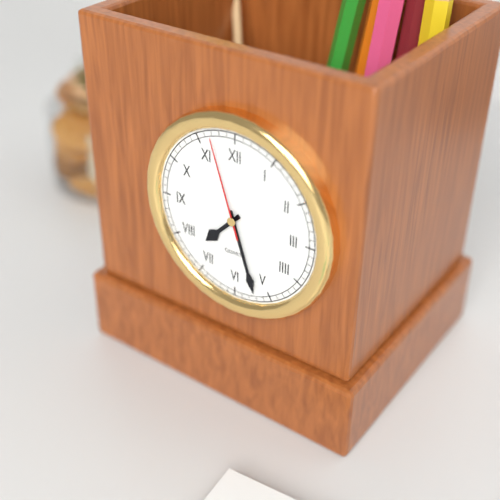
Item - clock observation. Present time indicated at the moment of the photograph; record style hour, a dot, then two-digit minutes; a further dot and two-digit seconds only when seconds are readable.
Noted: 7.27.57
